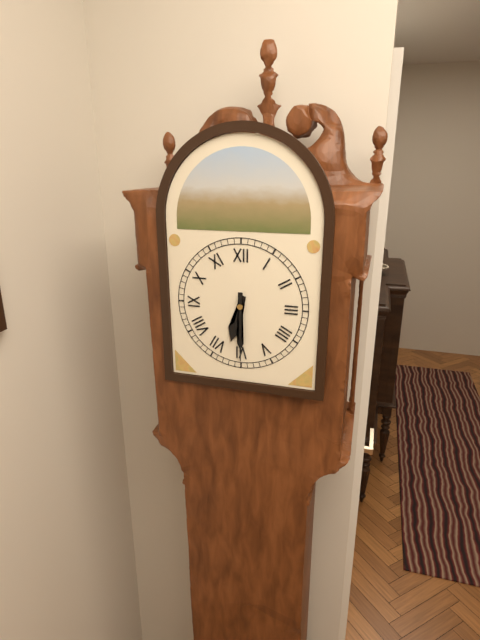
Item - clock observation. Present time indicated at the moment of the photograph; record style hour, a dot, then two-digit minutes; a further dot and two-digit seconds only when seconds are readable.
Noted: 6.30
